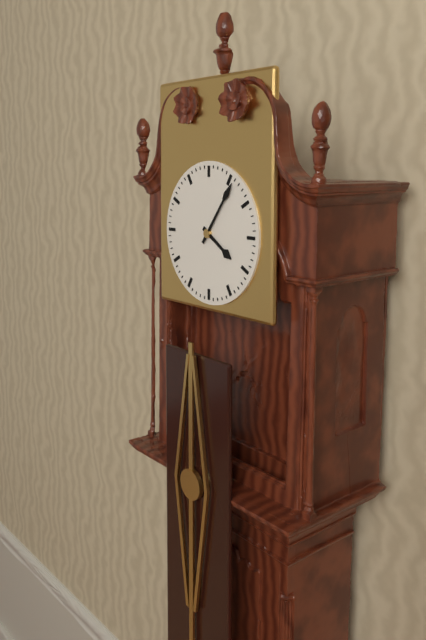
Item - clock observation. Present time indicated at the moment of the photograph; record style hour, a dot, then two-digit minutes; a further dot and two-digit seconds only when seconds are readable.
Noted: 4.06
